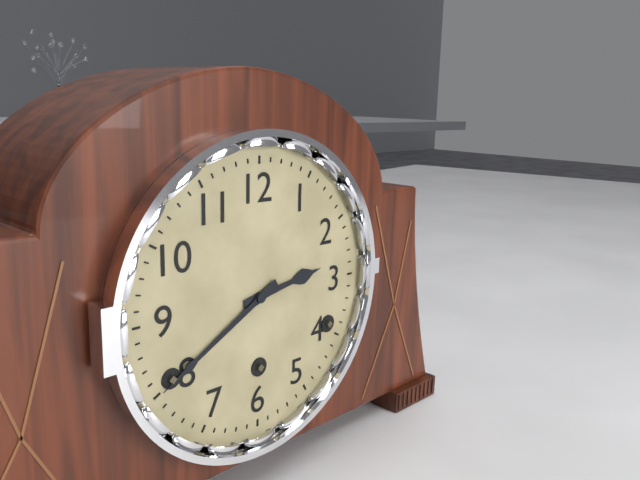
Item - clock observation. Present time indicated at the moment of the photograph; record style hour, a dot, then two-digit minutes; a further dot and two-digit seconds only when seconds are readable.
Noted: 2.40
